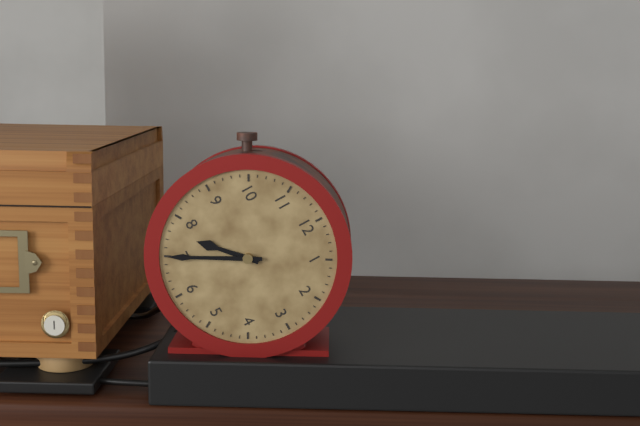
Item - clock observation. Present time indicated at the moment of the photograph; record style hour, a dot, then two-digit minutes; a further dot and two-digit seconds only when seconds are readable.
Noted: 7.35
